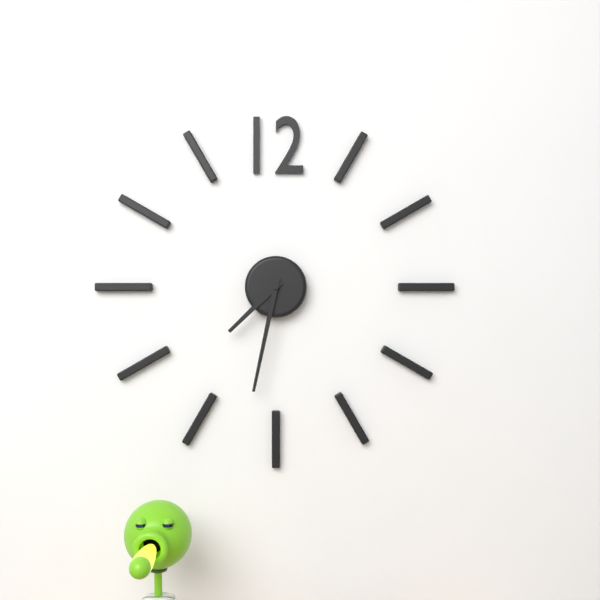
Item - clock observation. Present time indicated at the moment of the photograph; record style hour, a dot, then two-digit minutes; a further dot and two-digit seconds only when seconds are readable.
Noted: 7.32
